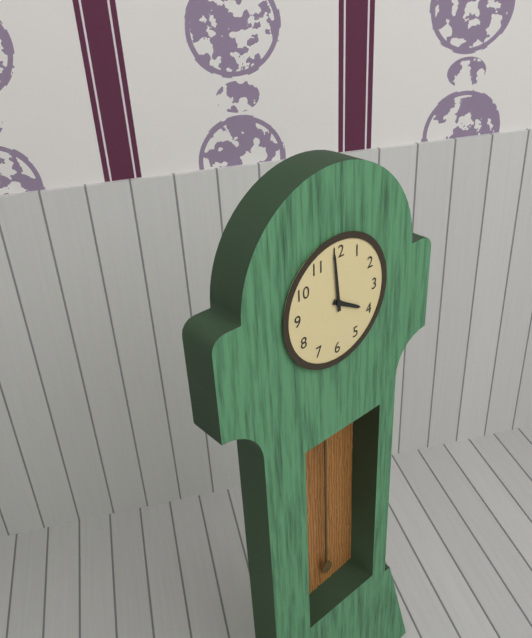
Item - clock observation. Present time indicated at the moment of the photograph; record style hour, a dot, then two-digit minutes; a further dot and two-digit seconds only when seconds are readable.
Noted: 3.59
